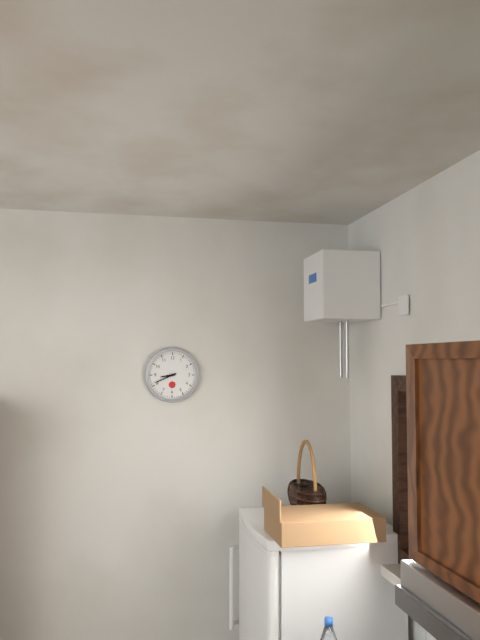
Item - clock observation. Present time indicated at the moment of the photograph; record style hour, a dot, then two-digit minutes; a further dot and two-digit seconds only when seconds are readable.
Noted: 8.41
